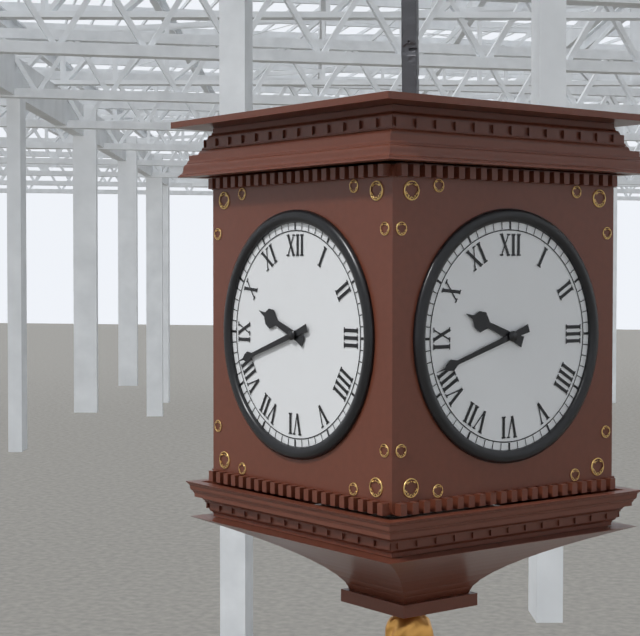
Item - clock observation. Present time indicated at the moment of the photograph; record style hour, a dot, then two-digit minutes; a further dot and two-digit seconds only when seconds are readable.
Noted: 9.42
